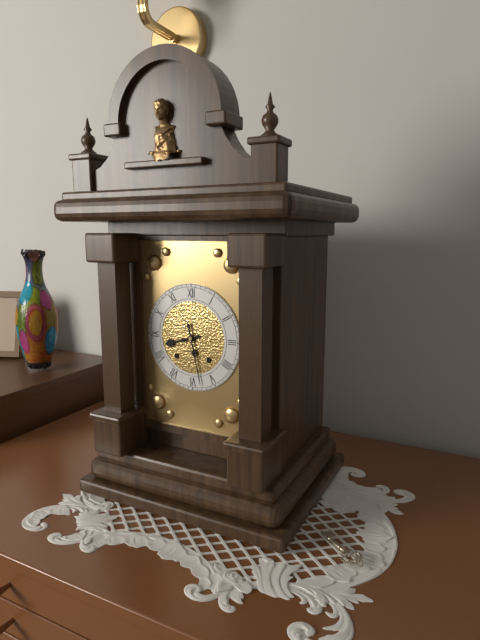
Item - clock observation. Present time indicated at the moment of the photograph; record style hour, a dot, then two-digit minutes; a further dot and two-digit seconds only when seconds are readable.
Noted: 8.28
